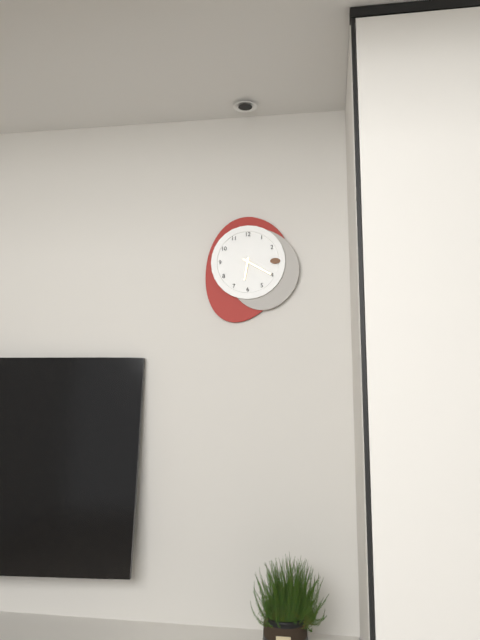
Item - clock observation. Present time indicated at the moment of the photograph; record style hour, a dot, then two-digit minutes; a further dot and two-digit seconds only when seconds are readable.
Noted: 6.20
